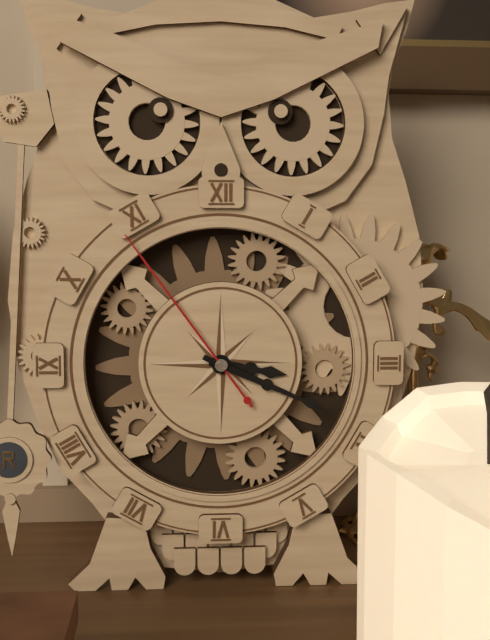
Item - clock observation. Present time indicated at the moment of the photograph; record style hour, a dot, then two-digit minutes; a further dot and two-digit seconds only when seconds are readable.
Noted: 3.19.54
